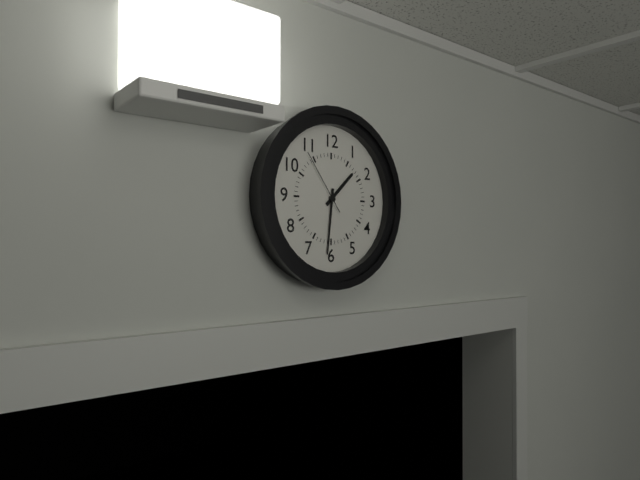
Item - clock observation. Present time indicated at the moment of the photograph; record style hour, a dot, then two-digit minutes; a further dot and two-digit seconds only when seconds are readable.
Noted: 1.31.54
